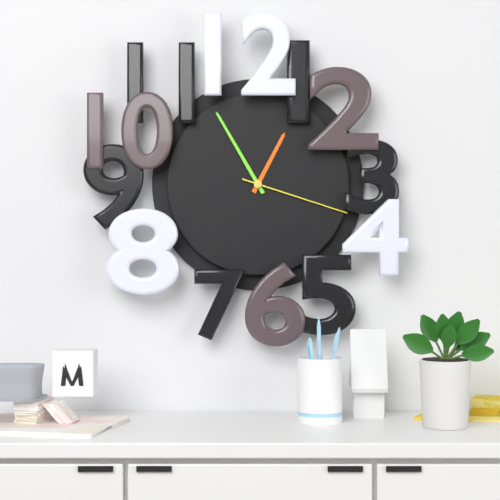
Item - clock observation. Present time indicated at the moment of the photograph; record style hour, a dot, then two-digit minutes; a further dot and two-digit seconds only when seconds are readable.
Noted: 12.55.18
